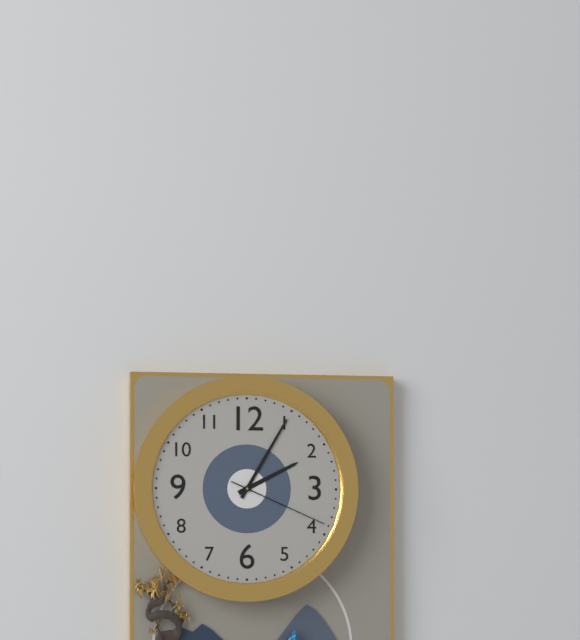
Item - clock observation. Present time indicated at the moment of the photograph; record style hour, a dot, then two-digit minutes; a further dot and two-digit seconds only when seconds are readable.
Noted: 2.05.19
